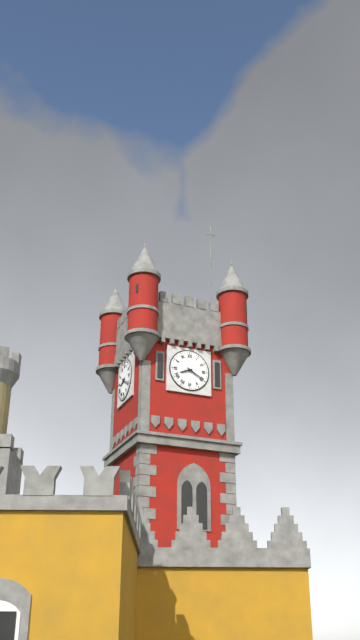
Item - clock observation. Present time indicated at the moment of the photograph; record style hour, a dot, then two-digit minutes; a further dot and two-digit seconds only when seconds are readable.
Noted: 8.20
